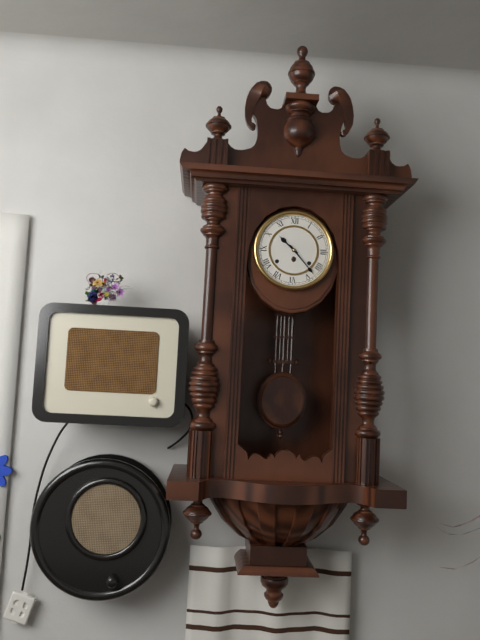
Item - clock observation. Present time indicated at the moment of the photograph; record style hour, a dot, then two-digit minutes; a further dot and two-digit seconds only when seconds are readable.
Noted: 10.23
